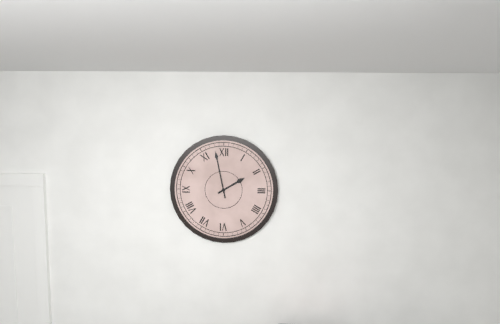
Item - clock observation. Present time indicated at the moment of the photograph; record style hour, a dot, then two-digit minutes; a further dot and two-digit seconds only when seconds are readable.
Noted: 1.58
